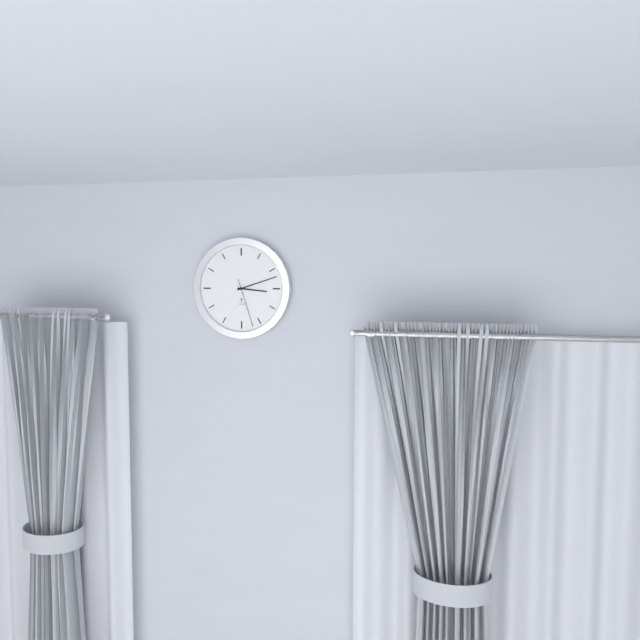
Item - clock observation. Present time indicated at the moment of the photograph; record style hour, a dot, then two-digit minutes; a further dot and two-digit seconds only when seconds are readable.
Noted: 3.12
